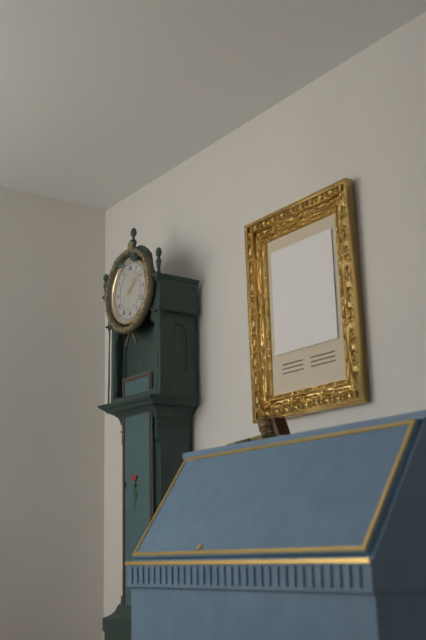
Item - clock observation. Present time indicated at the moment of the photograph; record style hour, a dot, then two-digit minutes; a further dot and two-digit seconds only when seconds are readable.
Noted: 1.09
